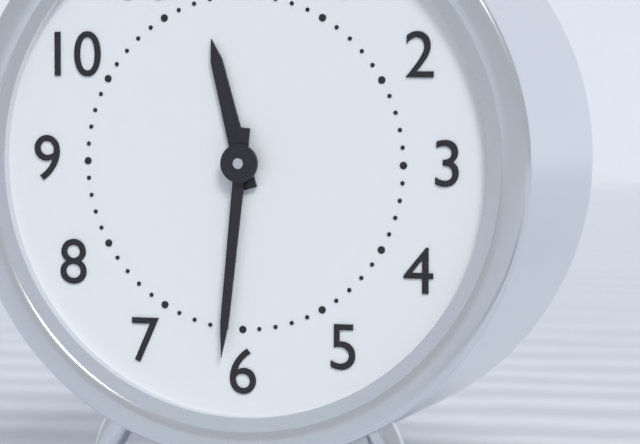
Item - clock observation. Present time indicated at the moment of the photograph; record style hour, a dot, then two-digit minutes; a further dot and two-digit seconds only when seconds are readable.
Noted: 11.31
